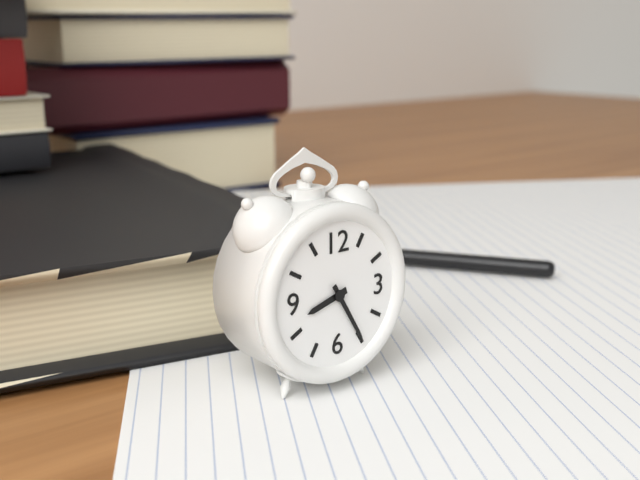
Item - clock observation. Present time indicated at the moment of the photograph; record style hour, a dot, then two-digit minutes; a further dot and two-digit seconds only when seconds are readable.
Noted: 8.25
